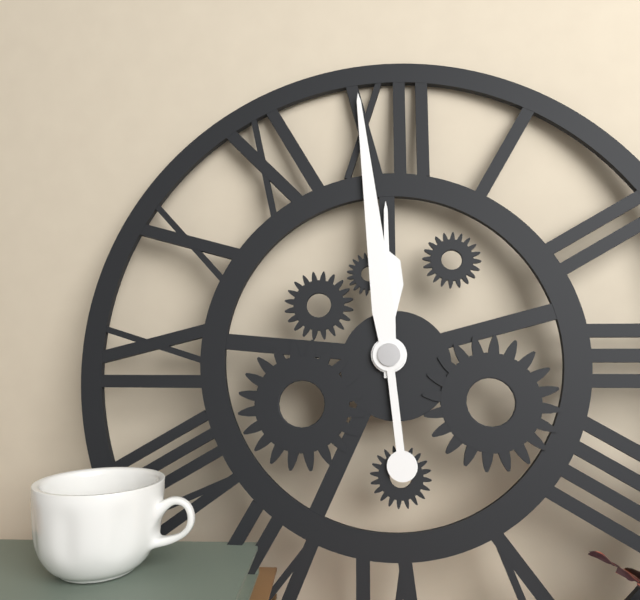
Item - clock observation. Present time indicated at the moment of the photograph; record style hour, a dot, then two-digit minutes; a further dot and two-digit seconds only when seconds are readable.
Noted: 11.59
